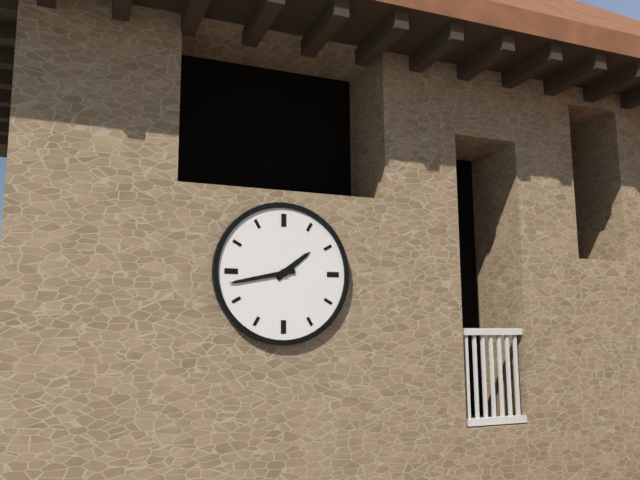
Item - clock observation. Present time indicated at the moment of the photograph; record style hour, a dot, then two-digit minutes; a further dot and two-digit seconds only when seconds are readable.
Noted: 1.43
